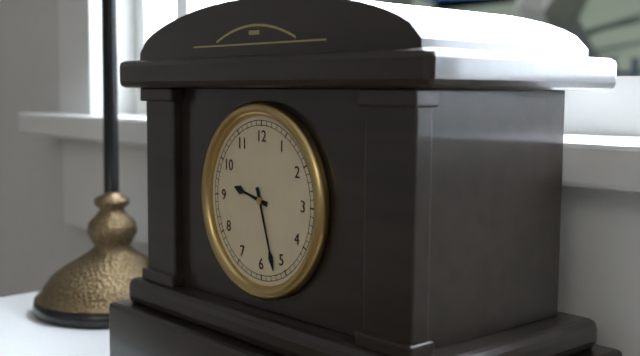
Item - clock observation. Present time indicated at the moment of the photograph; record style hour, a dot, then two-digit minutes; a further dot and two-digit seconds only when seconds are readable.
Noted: 9.27
